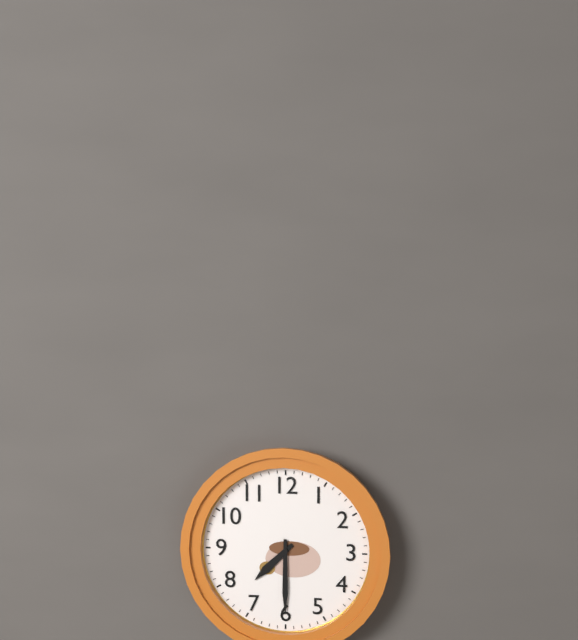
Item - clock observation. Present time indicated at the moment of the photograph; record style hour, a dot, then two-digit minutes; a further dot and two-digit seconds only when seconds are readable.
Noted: 7.30
